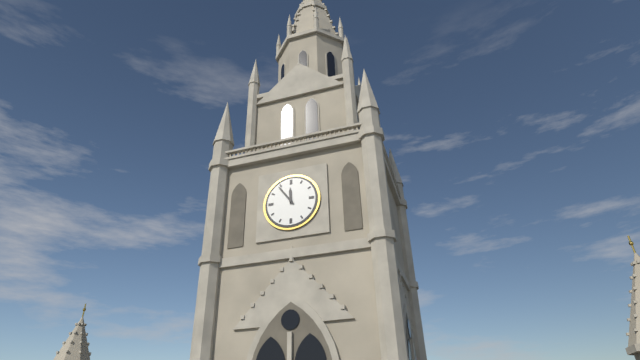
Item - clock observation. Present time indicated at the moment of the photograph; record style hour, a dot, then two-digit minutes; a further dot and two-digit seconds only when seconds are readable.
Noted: 11.54
